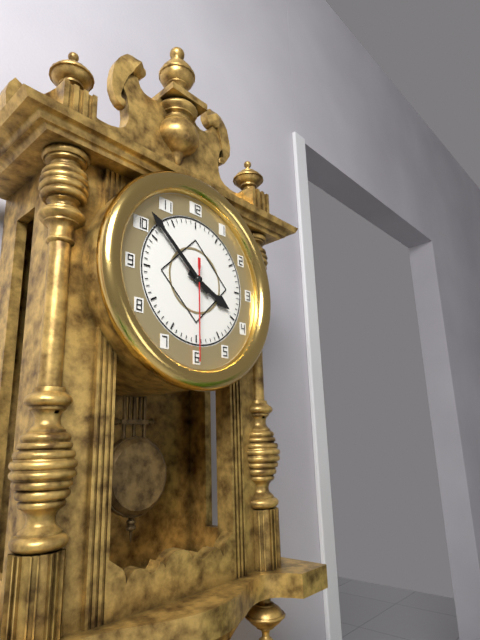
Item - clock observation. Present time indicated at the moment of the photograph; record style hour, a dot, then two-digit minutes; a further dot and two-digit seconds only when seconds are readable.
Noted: 3.52.30
